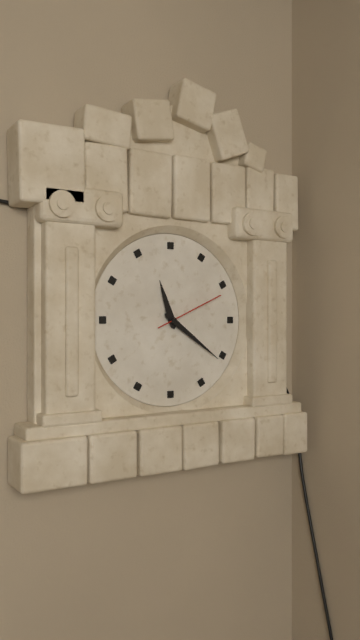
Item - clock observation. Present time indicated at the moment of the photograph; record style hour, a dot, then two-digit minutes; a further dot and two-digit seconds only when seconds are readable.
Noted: 11.21.11
